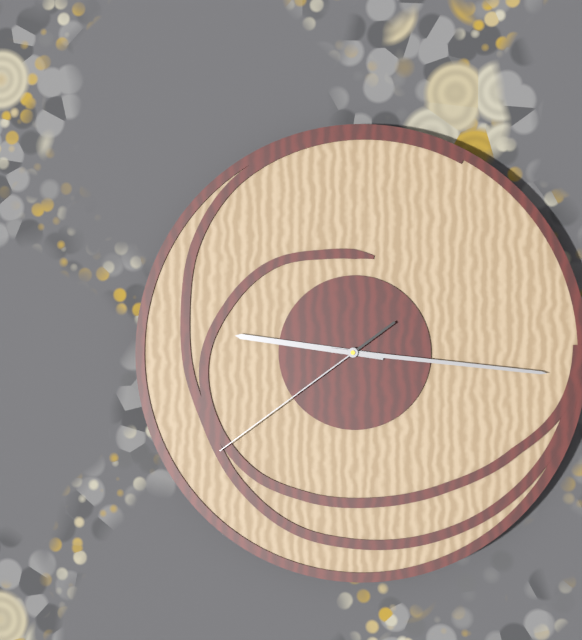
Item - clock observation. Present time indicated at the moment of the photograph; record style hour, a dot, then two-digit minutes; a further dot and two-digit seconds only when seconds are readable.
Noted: 9.16.39
